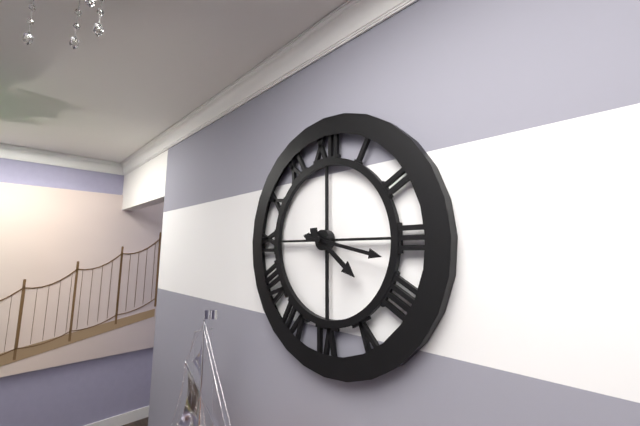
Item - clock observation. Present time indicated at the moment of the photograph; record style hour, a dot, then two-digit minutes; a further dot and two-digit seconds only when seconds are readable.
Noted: 4.17
